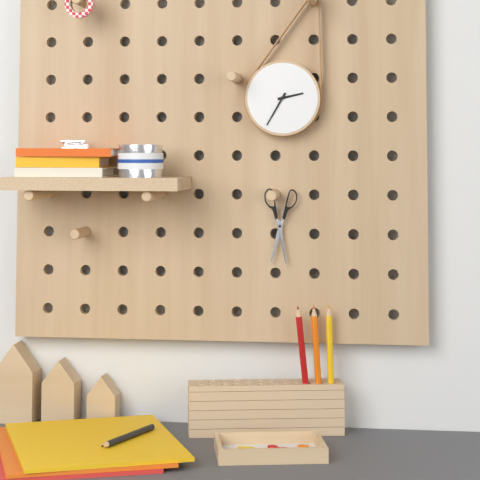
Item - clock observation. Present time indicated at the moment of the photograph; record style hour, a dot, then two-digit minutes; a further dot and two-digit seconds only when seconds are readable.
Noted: 2.35
